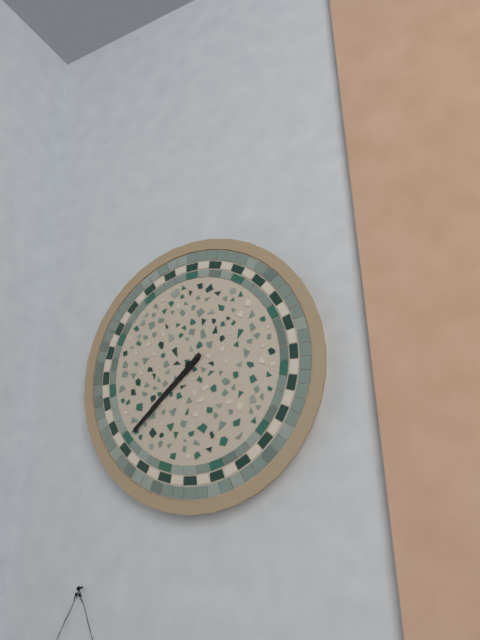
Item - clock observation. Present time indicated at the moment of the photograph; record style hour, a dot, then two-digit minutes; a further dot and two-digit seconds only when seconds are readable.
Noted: 7.38
